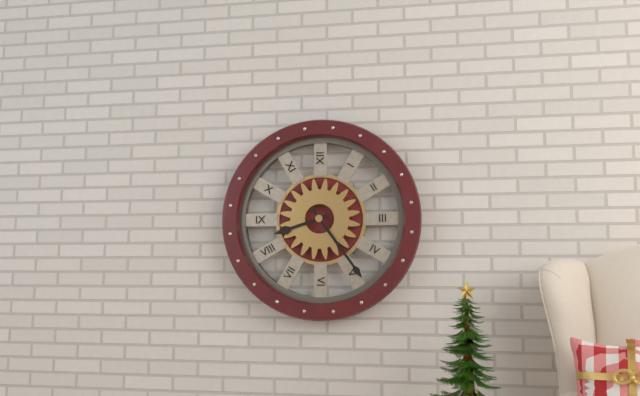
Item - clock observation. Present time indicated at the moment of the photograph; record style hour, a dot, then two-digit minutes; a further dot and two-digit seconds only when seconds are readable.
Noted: 8.24
